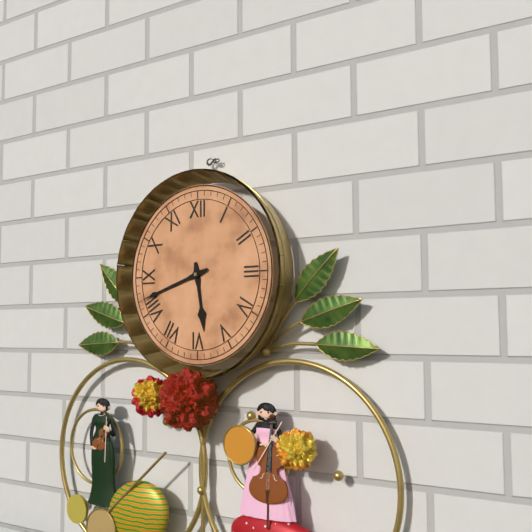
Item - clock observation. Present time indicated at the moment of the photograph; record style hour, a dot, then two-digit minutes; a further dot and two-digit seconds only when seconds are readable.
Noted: 5.42
